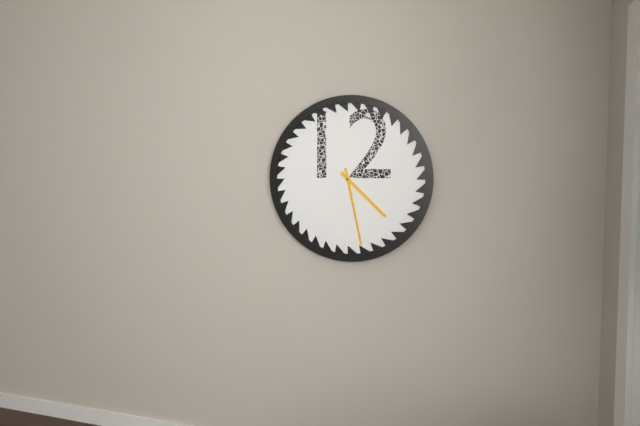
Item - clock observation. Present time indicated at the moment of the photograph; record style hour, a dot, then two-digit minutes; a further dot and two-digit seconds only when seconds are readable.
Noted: 4.28
